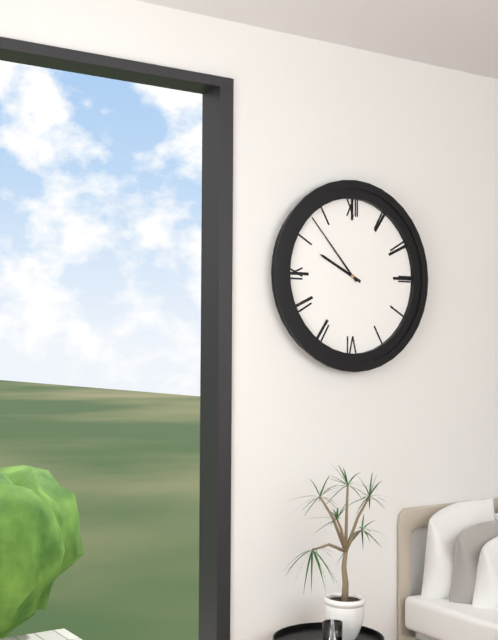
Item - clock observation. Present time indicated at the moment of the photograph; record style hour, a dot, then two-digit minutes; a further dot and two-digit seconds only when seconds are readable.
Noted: 9.53
